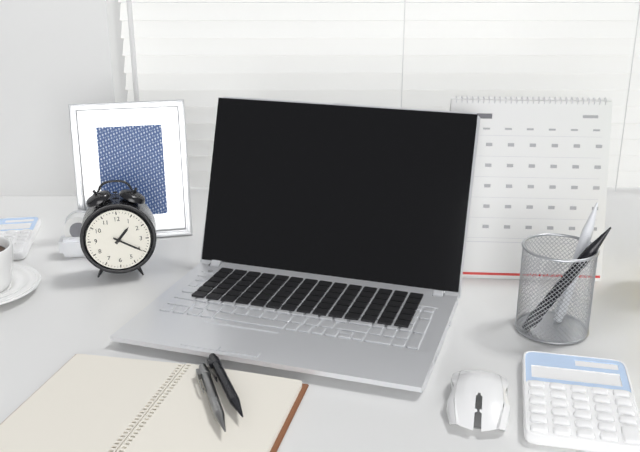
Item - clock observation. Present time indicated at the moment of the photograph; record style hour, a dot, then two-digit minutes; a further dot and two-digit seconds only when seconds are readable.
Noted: 1.20
